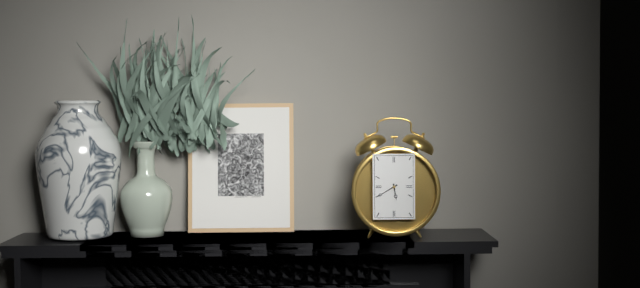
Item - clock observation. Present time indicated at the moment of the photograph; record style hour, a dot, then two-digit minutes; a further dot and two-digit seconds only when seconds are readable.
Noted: 5.40
